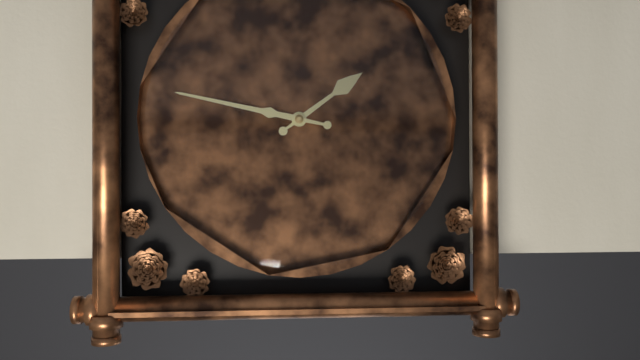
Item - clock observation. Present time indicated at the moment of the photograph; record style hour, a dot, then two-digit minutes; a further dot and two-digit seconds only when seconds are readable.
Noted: 1.47
